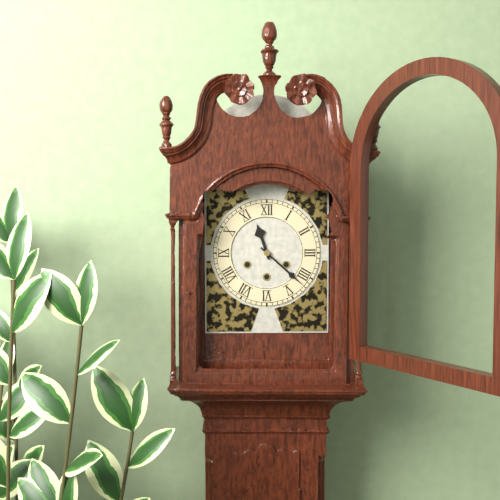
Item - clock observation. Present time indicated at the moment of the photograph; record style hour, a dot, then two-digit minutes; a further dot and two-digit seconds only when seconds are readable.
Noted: 11.22
